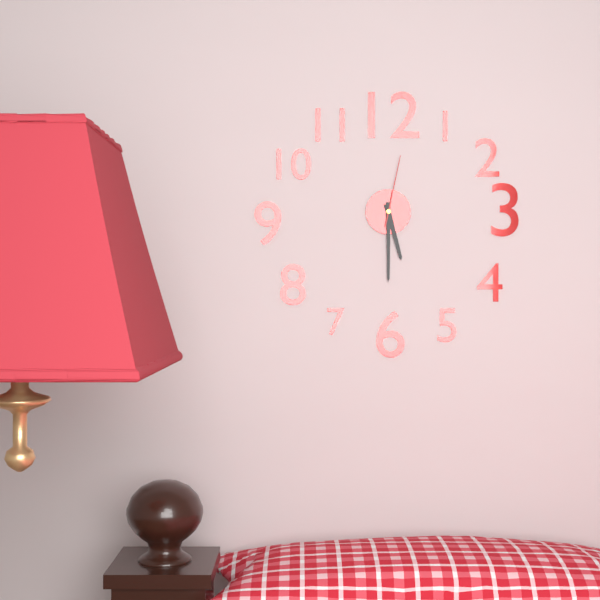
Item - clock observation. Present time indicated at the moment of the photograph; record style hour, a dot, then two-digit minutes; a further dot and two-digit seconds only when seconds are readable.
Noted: 5.30.02
